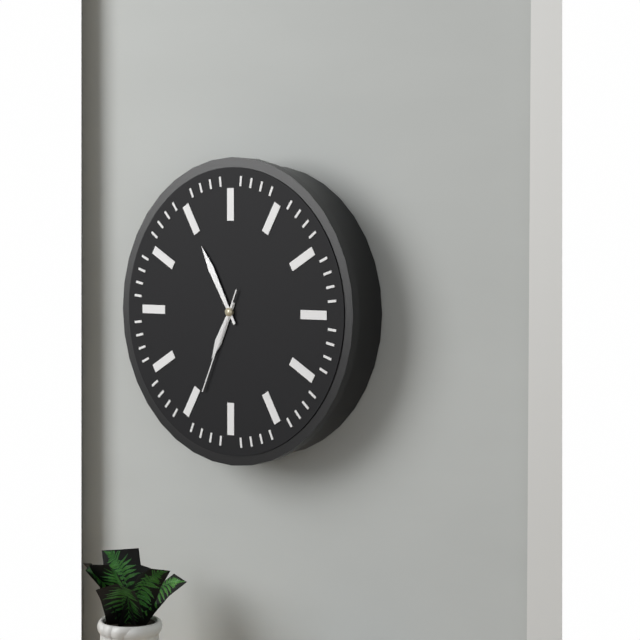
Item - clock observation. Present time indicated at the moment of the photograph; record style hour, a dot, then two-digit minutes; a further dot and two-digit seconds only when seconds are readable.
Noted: 6.55.34
